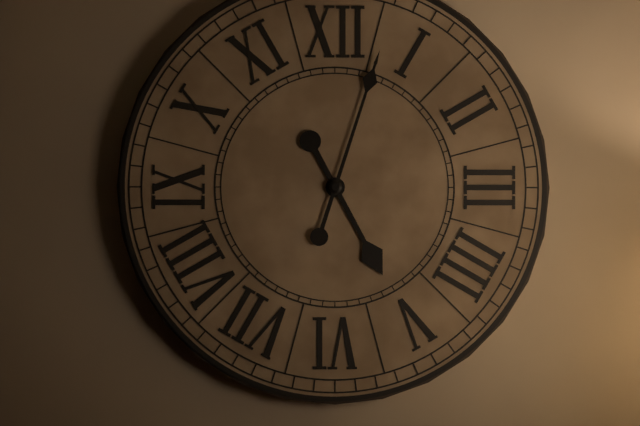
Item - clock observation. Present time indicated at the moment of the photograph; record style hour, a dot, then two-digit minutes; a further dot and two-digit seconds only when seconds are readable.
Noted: 5.03
